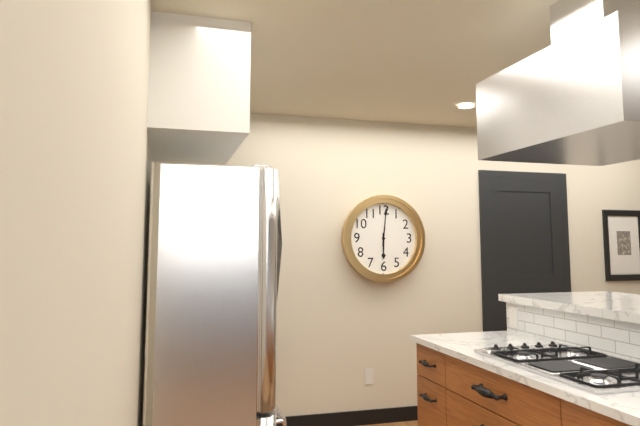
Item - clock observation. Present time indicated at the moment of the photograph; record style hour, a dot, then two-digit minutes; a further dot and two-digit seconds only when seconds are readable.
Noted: 6.01
